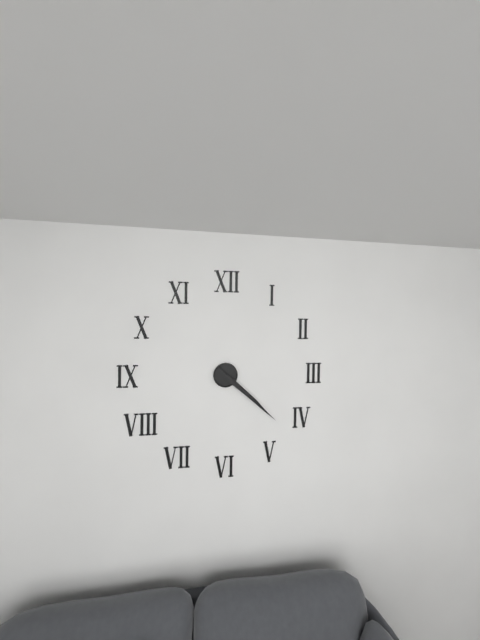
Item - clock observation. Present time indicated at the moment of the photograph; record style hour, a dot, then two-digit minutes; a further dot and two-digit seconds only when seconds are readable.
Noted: 4.22
